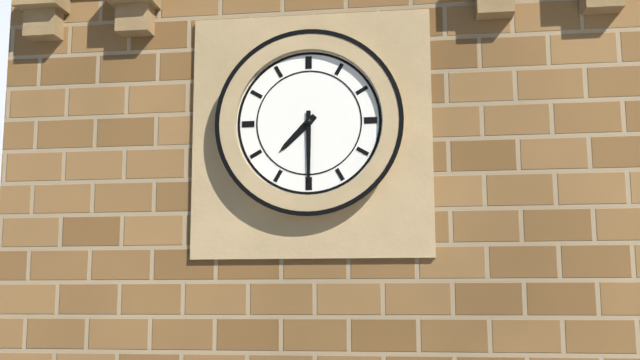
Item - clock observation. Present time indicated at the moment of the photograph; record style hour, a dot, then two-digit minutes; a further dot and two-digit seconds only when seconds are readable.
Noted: 7.30
